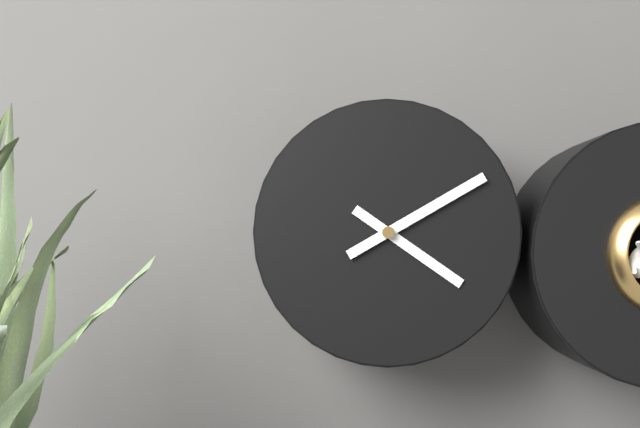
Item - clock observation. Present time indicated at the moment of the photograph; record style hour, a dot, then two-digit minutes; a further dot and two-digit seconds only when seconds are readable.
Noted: 4.10
